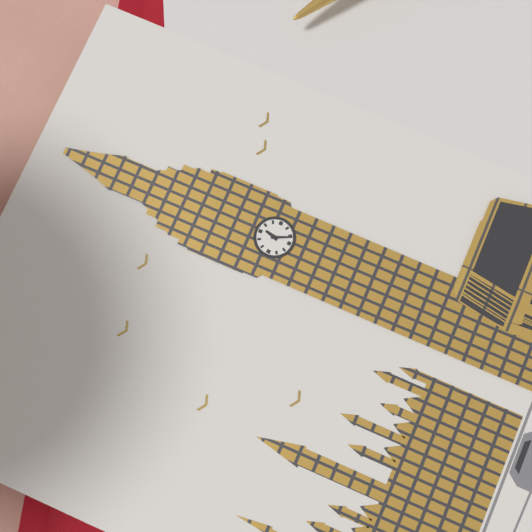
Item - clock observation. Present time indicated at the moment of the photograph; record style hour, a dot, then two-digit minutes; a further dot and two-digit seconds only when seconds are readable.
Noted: 12.26
